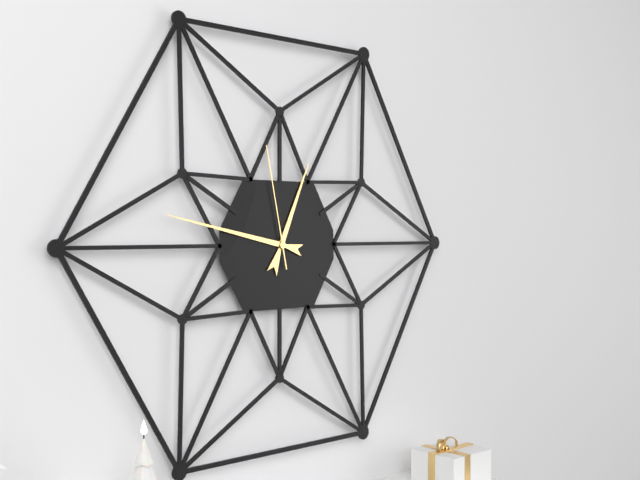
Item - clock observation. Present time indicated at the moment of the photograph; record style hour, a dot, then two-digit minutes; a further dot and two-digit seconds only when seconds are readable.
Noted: 12.47.58
